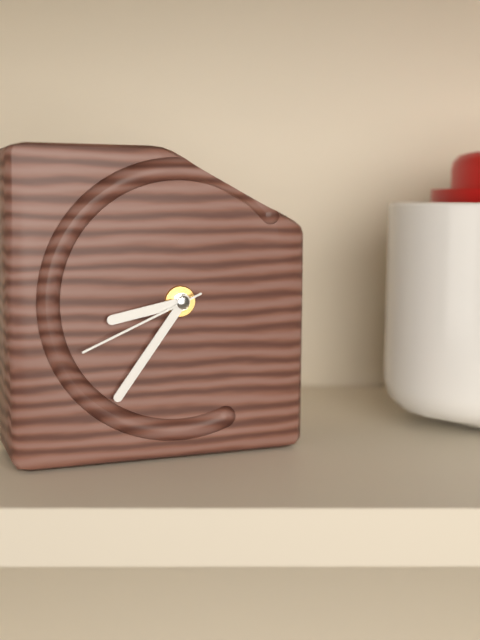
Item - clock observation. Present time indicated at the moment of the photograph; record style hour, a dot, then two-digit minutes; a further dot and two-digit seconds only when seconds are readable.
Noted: 8.36.41
